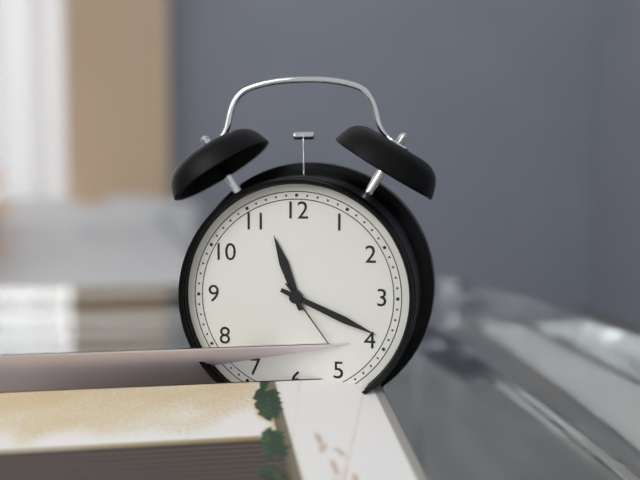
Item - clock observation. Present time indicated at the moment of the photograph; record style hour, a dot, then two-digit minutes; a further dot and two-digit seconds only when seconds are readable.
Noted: 11.19.24
